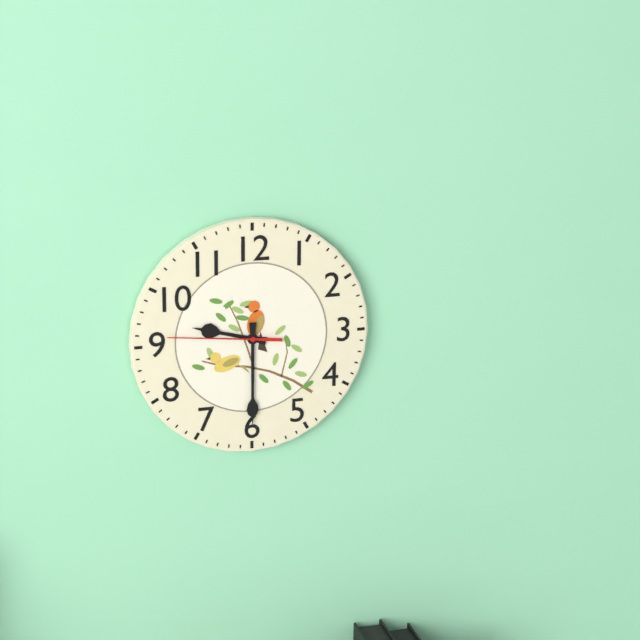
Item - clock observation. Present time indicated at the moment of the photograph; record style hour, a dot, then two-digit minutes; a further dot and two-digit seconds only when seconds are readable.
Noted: 9.30.46
